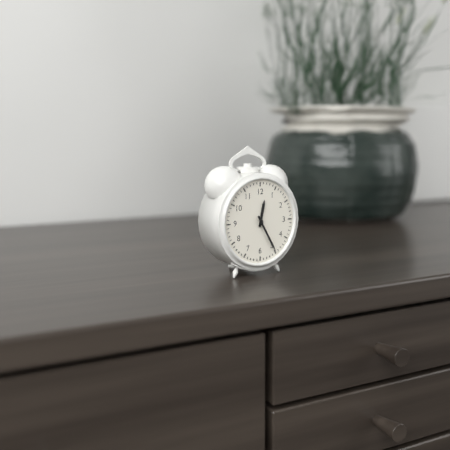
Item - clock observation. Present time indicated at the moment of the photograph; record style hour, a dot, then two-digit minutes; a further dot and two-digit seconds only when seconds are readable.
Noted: 12.25
